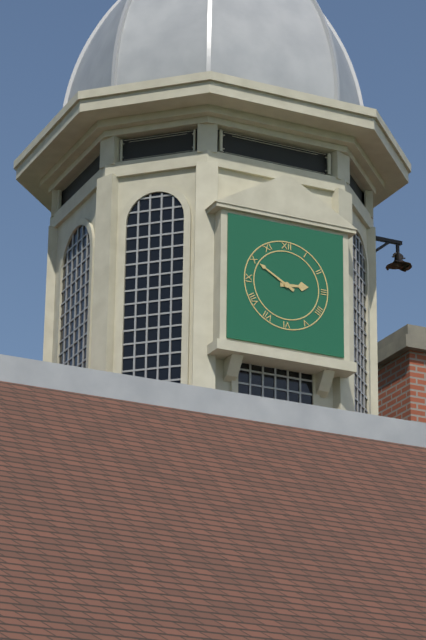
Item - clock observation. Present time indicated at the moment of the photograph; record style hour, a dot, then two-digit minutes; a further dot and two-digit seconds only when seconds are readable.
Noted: 2.50
